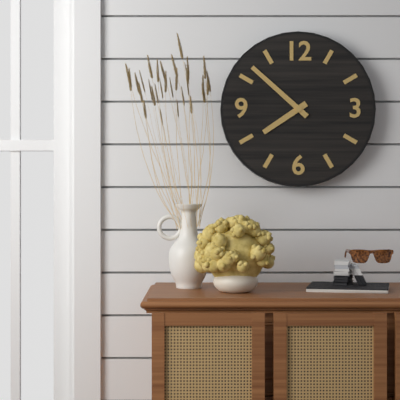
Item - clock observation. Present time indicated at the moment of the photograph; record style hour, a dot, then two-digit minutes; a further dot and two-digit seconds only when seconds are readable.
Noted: 7.52
